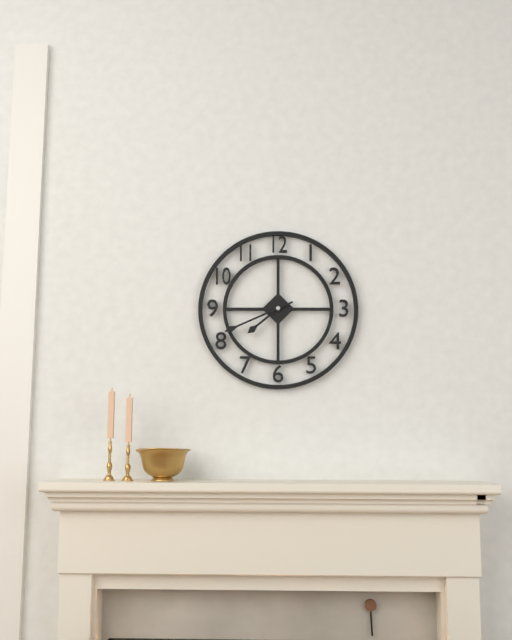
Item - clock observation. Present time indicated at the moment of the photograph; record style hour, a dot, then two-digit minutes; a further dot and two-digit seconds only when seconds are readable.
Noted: 7.41
